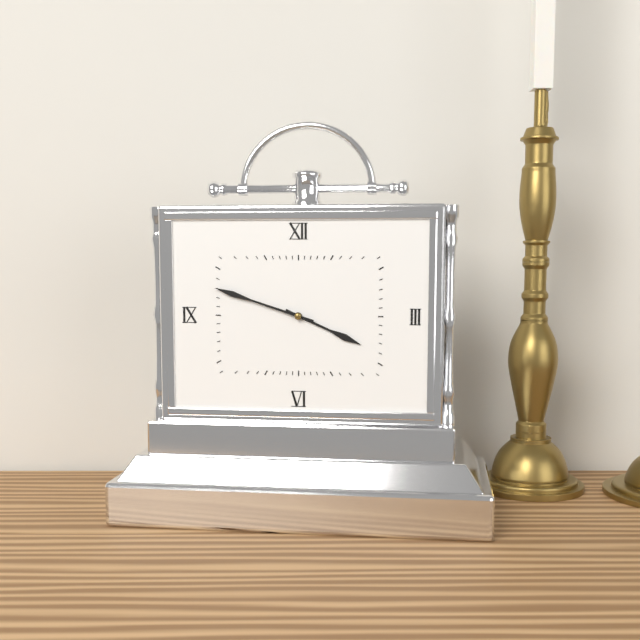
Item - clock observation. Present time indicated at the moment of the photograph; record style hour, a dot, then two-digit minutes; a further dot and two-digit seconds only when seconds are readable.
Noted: 3.48
